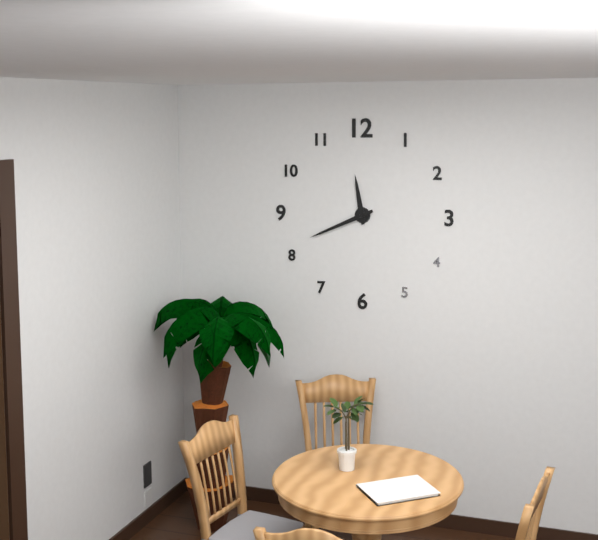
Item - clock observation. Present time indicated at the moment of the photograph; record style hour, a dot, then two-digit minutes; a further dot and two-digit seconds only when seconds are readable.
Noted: 11.41
